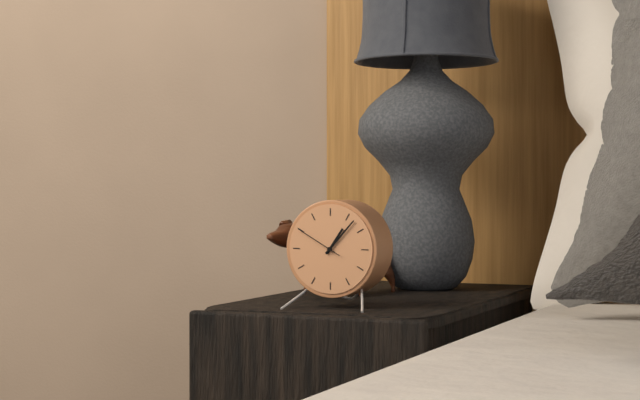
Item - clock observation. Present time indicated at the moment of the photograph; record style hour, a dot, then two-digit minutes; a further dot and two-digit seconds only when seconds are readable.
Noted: 1.07
